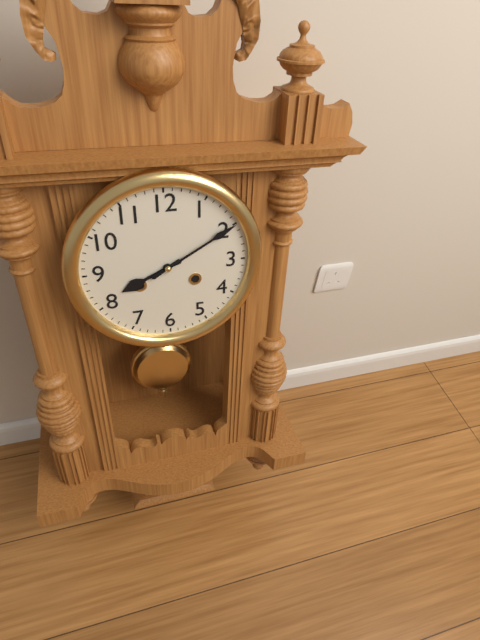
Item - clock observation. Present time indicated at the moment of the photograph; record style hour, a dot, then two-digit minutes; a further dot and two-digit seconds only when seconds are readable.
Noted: 8.10
